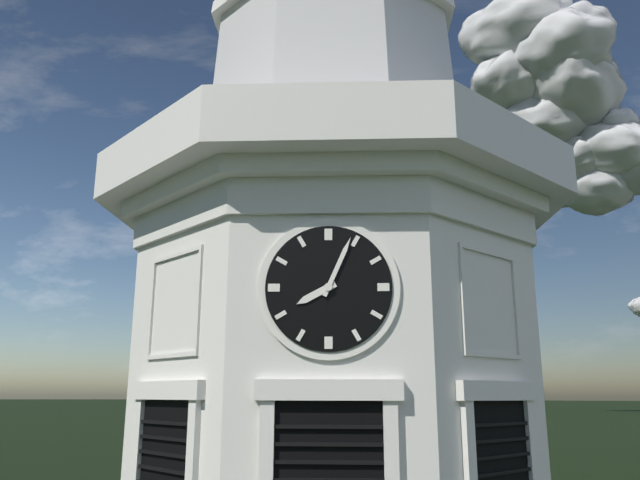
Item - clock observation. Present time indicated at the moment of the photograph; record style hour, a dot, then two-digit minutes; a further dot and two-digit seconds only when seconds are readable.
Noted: 8.04
